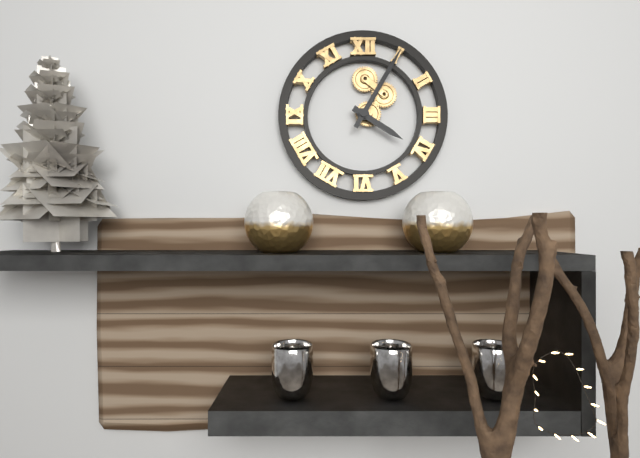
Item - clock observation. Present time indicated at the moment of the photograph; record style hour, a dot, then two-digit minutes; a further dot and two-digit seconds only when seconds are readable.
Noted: 4.05
